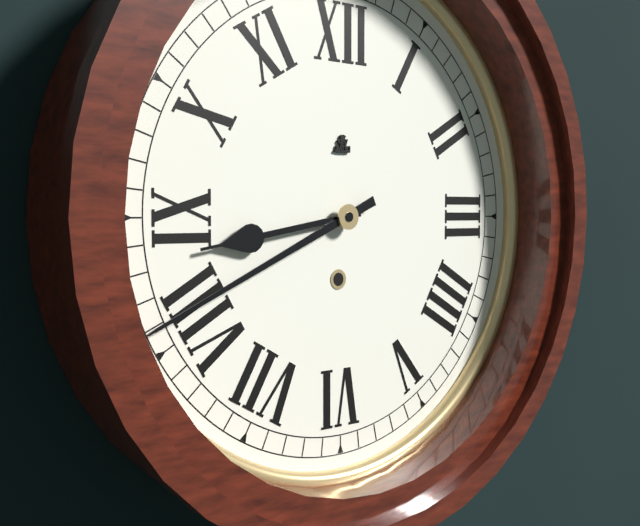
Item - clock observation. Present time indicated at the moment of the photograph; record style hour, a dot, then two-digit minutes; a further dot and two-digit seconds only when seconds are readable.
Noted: 8.41
